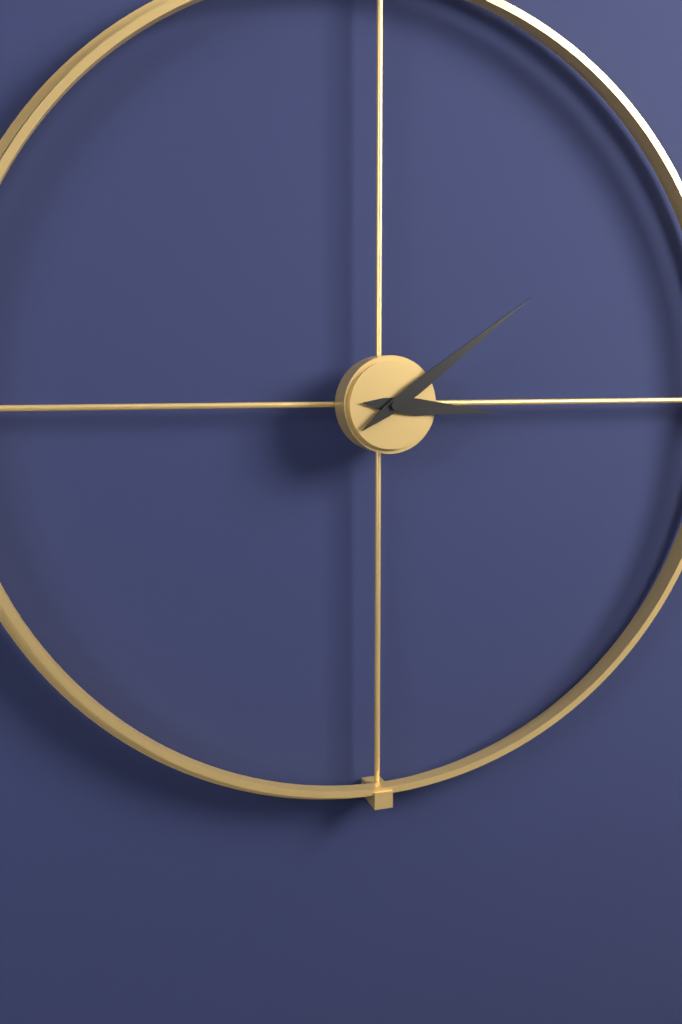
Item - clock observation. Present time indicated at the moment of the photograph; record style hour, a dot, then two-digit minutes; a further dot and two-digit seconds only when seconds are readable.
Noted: 3.09
